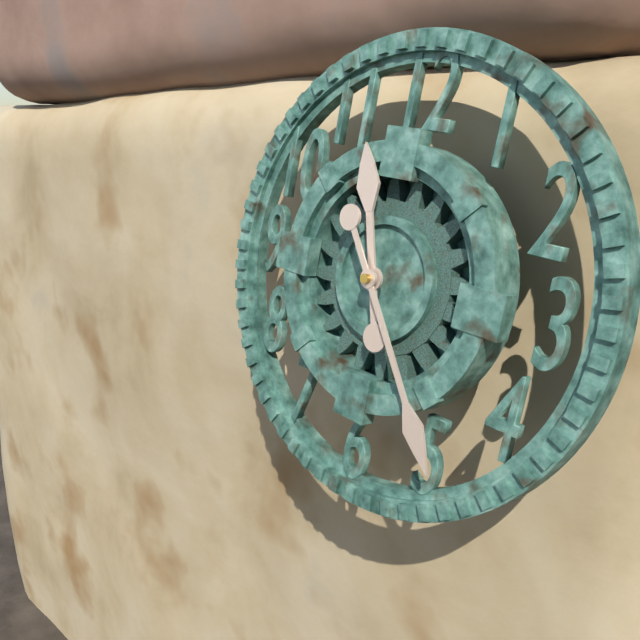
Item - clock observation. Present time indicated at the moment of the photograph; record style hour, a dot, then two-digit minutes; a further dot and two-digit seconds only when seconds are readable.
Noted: 11.24
